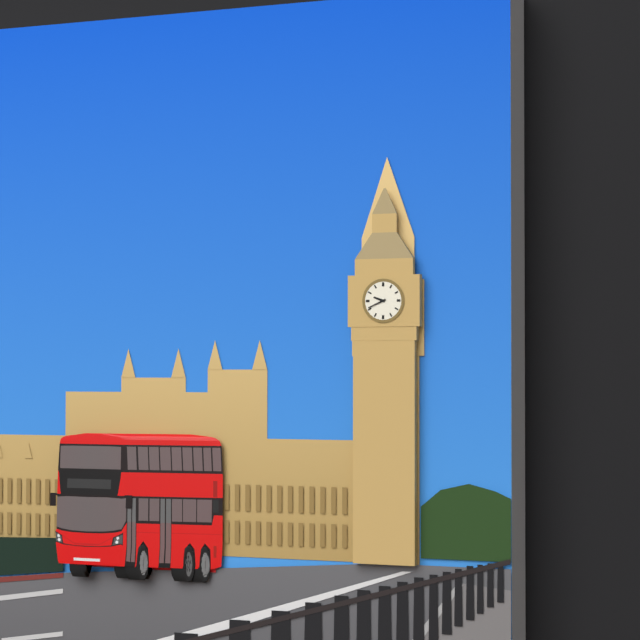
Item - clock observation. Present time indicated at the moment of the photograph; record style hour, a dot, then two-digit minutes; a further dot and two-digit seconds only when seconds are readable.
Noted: 9.41
